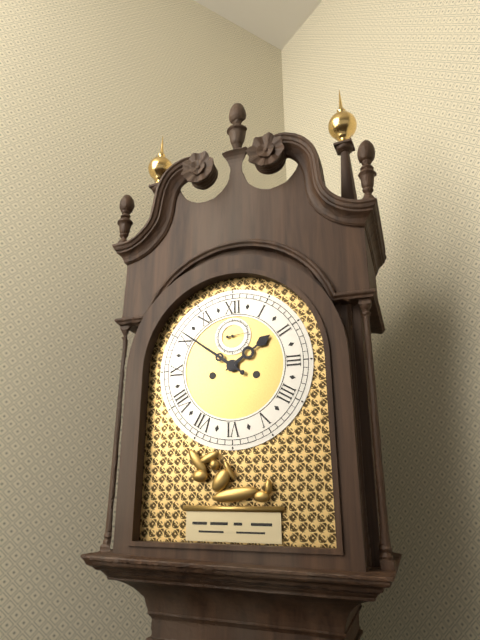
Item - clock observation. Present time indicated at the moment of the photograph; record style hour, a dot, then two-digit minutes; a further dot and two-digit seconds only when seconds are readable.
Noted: 1.51
